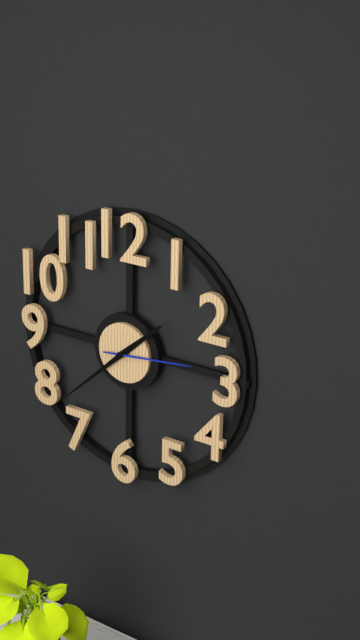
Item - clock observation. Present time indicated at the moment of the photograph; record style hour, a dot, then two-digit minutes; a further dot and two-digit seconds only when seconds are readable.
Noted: 1.38.14
